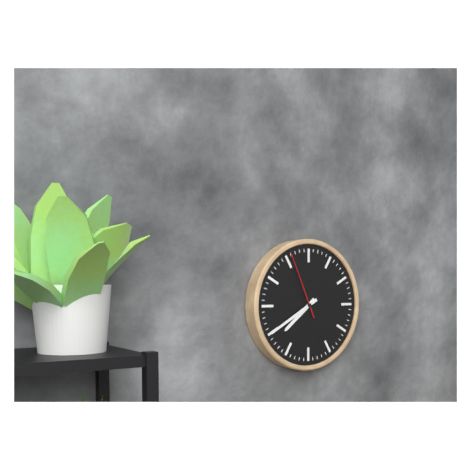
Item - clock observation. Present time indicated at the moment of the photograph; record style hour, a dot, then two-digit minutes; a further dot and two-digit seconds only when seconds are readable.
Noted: 7.40.56
